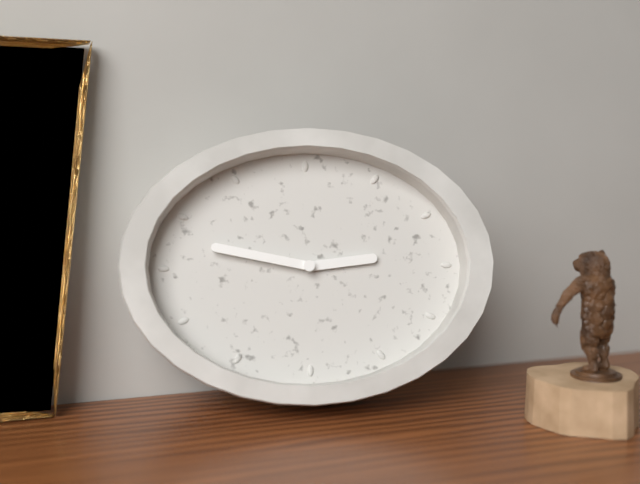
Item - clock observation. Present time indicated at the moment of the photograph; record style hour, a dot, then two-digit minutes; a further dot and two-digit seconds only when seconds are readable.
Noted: 2.47
